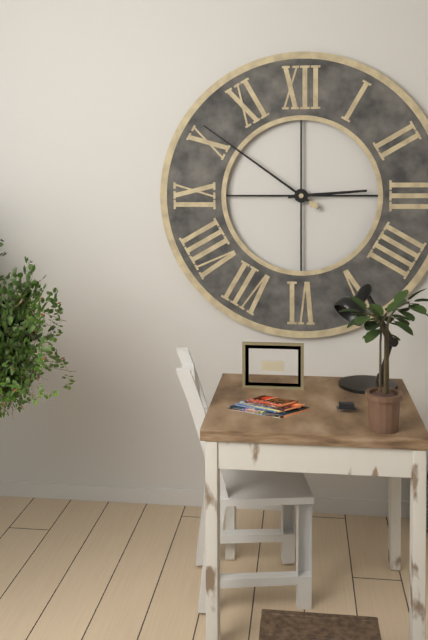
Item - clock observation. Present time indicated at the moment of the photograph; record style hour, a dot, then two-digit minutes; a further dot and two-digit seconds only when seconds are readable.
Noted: 2.51
